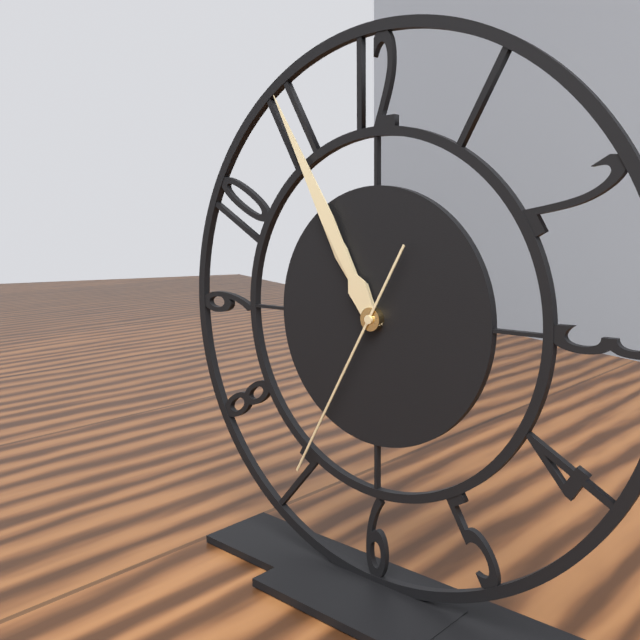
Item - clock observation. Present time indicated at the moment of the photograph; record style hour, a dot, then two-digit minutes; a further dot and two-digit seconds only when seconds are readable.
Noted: 10.55.35
